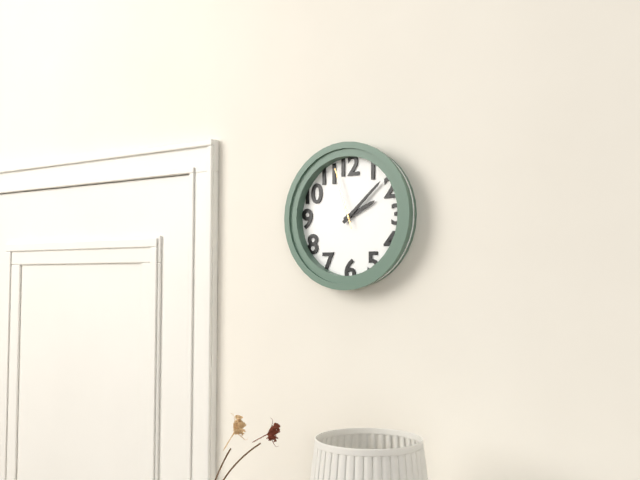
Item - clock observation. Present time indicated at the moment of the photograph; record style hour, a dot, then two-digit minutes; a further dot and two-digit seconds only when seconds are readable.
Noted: 2.08.57
